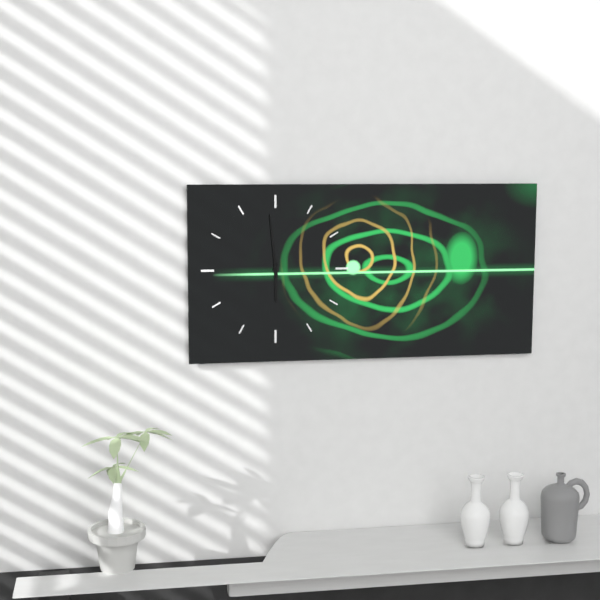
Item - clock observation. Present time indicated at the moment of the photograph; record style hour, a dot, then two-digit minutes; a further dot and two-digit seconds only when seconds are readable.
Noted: 5.59
